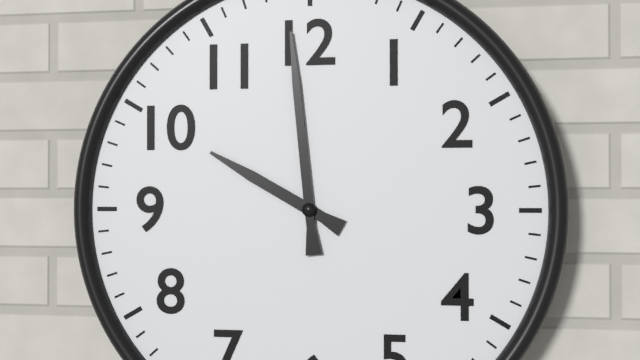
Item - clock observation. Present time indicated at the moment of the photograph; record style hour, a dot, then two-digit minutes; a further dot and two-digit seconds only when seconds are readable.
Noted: 9.59
